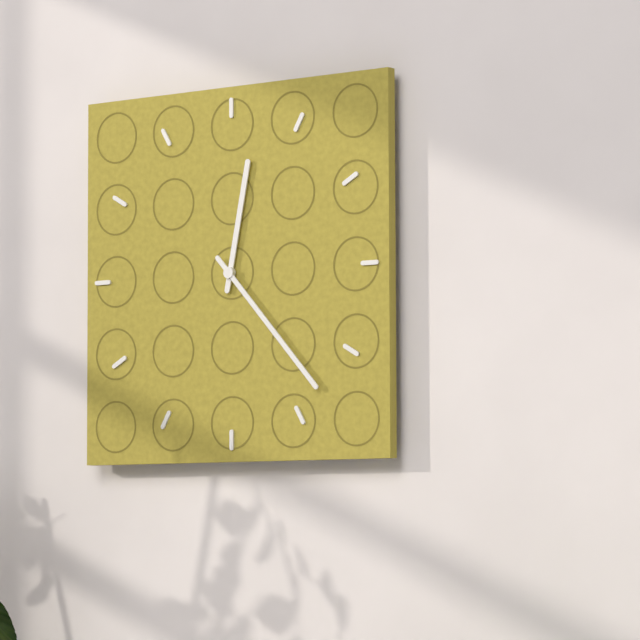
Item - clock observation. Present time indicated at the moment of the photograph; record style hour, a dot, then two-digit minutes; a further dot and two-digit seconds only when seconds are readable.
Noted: 12.23
